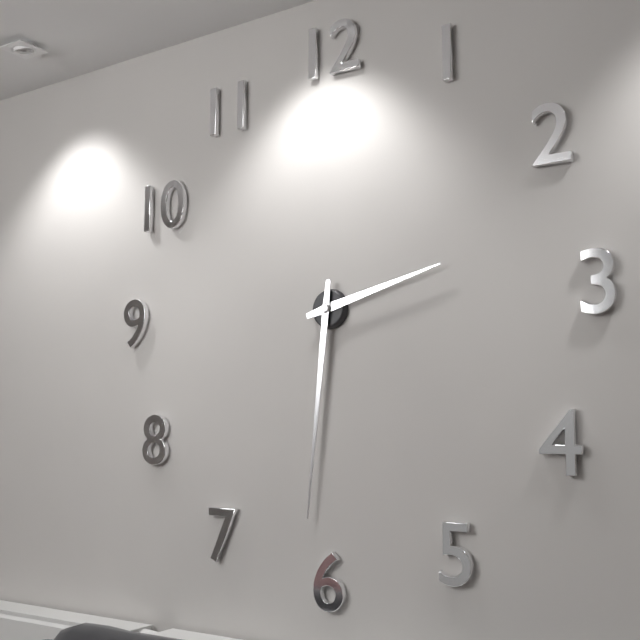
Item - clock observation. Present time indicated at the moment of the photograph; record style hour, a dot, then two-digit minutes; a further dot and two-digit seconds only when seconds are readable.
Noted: 2.31
